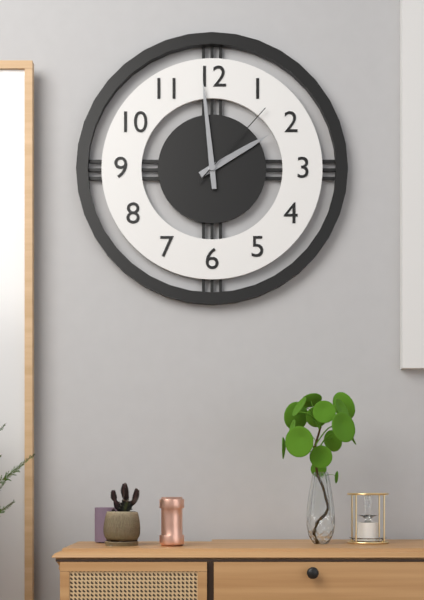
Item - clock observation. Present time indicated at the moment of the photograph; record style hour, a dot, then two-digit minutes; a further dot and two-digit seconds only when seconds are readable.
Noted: 1.59.07
